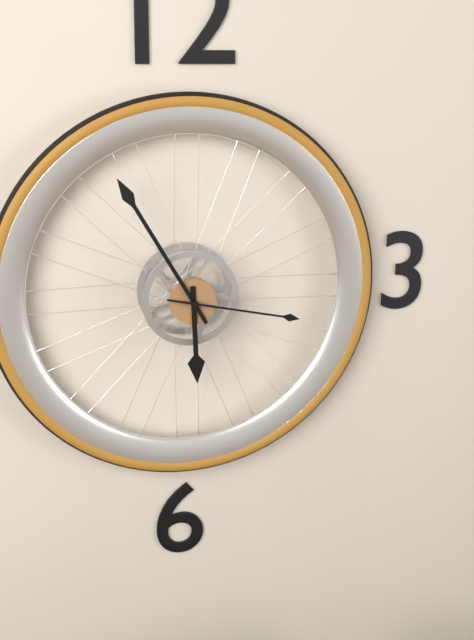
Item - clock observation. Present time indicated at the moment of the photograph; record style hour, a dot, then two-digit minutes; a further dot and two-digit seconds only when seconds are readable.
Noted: 5.55.17
